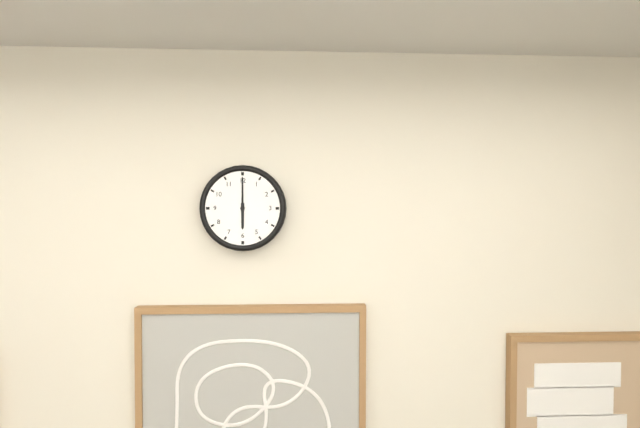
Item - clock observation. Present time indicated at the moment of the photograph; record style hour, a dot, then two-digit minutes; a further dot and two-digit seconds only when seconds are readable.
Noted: 6.00
